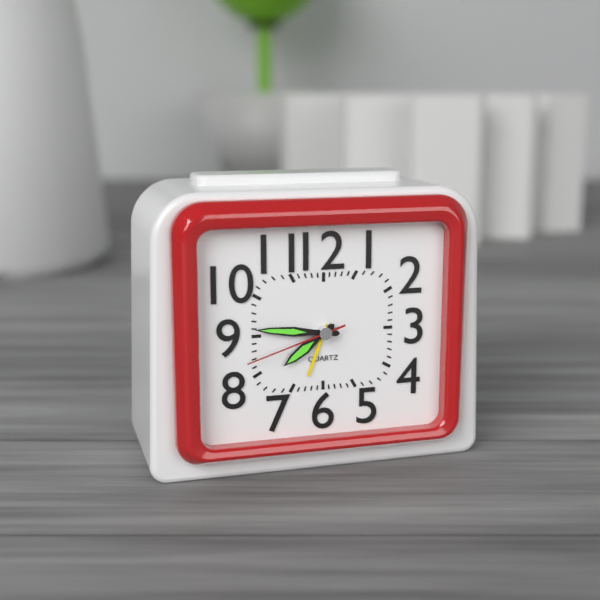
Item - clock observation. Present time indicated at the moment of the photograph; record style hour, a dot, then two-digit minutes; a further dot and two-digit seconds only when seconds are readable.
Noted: 7.46.42
